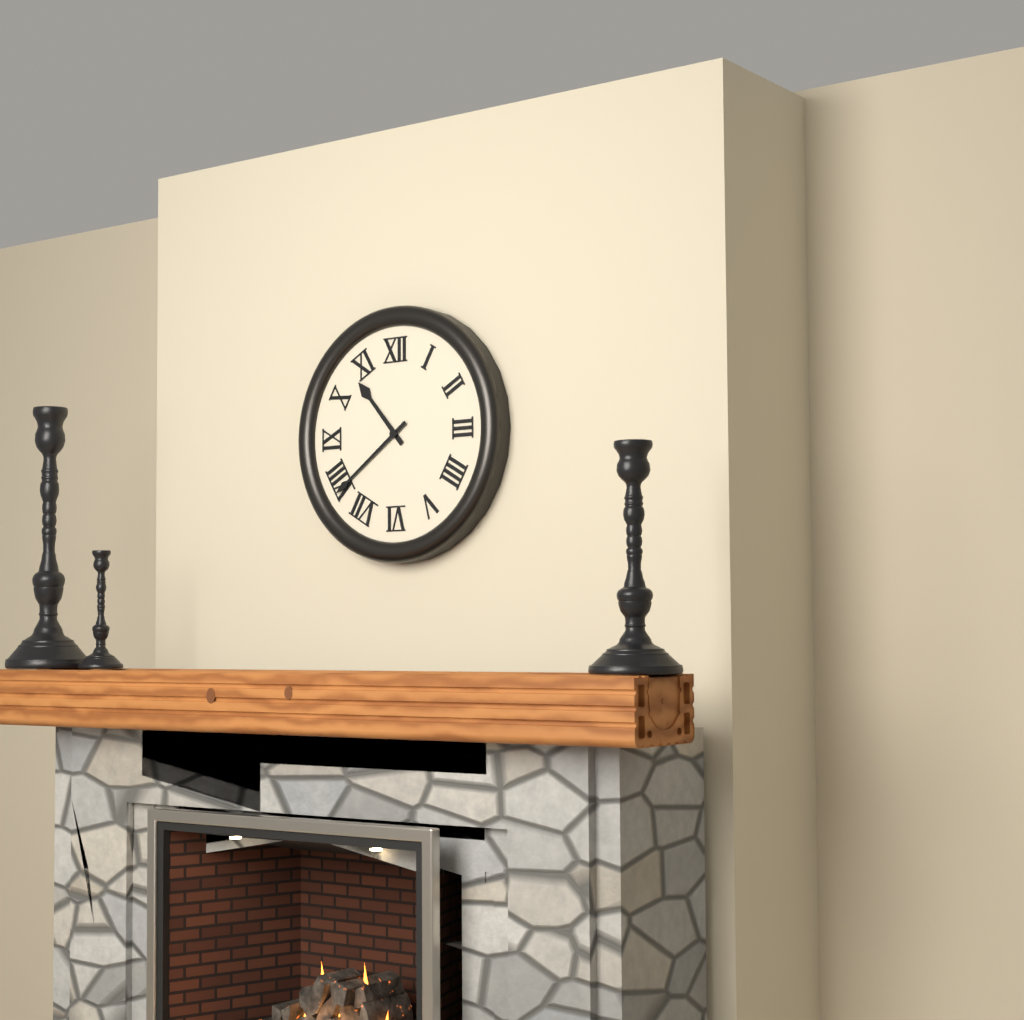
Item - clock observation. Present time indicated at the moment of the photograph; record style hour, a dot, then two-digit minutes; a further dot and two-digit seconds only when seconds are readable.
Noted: 10.39
